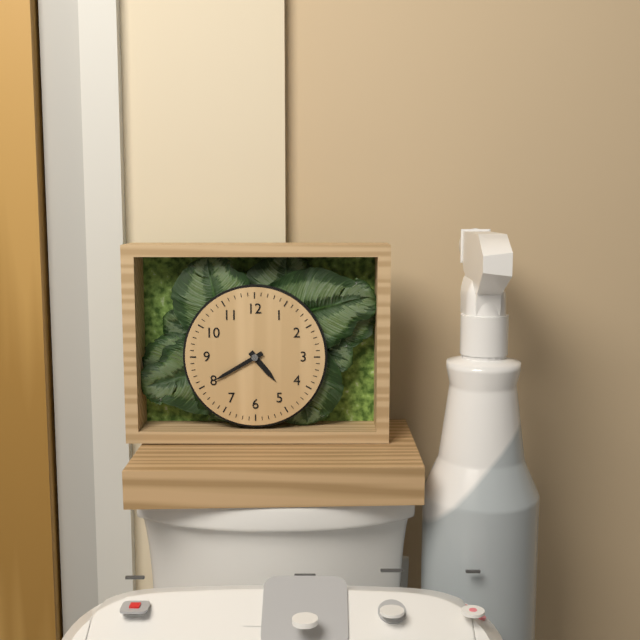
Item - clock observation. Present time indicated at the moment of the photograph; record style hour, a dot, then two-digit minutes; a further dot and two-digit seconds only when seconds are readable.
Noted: 4.40
